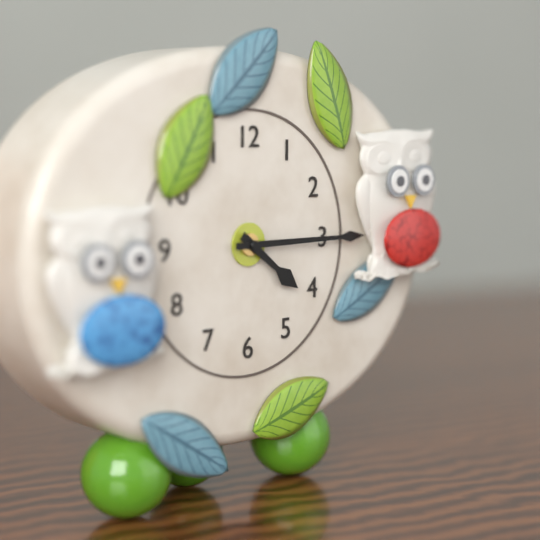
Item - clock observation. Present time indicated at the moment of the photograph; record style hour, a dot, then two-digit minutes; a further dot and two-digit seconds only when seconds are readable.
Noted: 4.15
